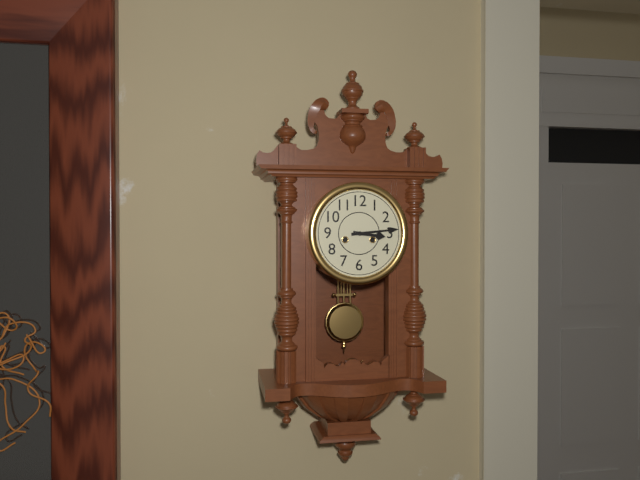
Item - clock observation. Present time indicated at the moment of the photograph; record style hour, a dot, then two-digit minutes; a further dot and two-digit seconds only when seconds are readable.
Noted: 3.14
